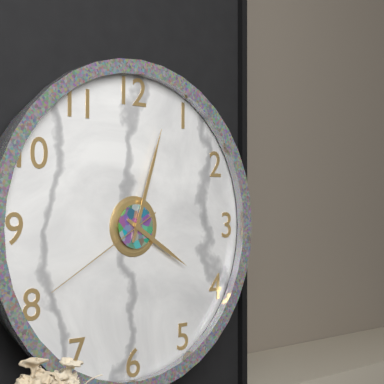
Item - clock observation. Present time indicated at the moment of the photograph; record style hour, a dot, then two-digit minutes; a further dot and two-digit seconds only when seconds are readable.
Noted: 4.03.40
